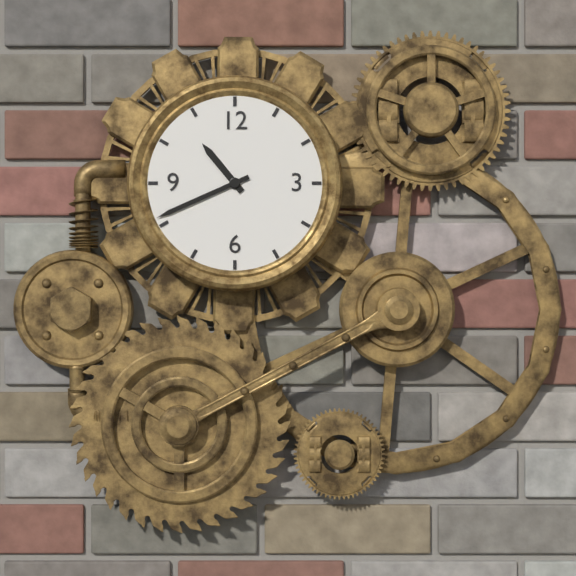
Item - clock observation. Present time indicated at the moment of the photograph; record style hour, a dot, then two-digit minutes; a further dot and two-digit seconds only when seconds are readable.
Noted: 10.41
